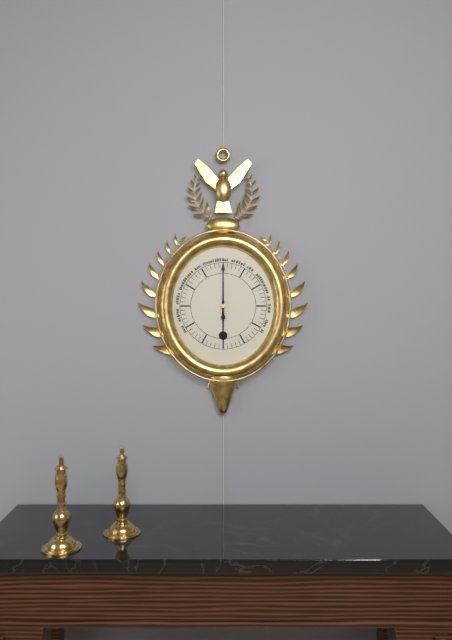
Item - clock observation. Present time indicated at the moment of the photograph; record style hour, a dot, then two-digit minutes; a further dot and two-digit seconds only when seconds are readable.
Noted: 6.00
